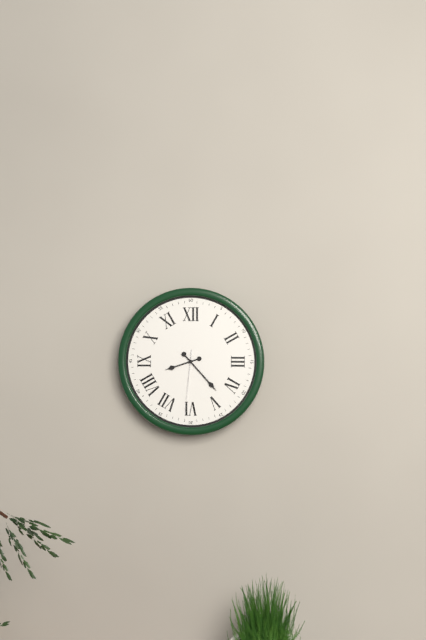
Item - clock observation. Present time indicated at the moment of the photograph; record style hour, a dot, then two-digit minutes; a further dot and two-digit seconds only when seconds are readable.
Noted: 8.23.31
